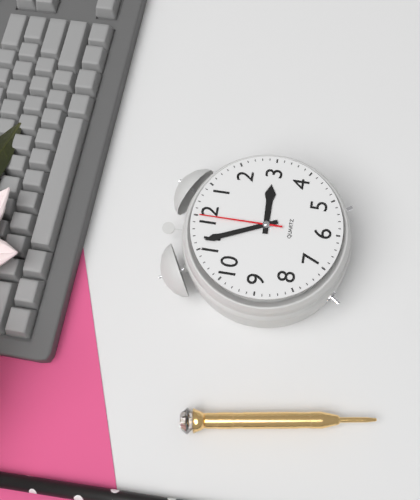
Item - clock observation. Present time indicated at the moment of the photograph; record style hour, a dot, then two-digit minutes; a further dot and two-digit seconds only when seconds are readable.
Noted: 2.56.00
